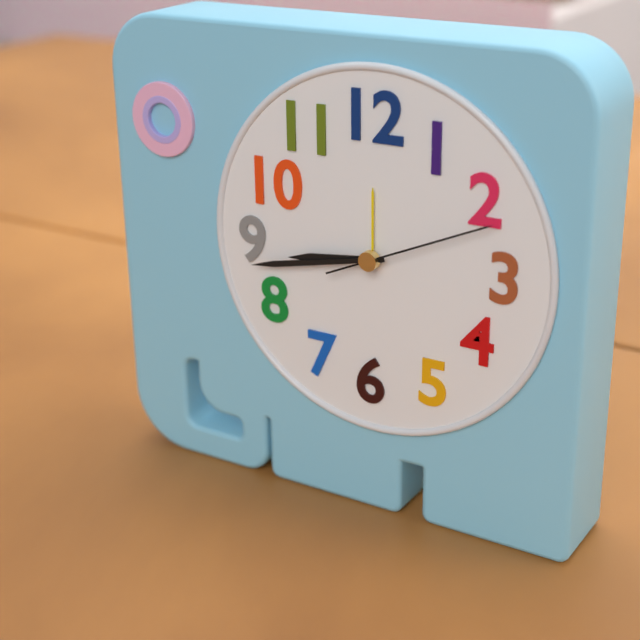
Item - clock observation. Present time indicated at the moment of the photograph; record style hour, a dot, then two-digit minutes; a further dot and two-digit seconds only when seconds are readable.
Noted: 8.43.11
